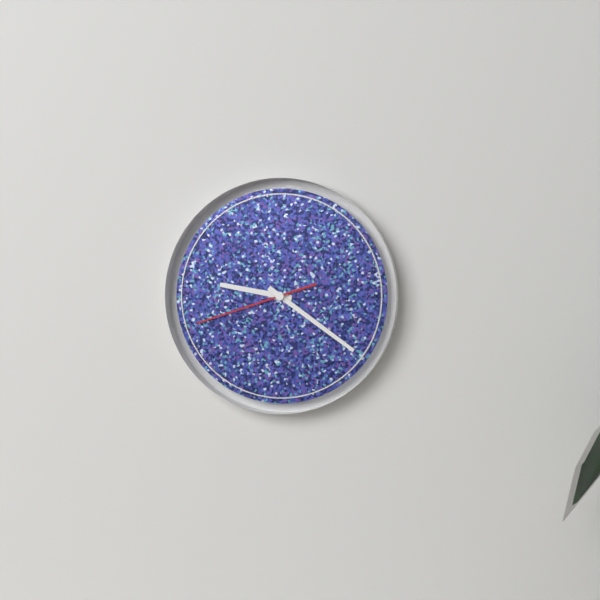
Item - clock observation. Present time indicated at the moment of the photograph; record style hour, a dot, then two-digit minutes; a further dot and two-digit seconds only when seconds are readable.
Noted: 9.21.42
